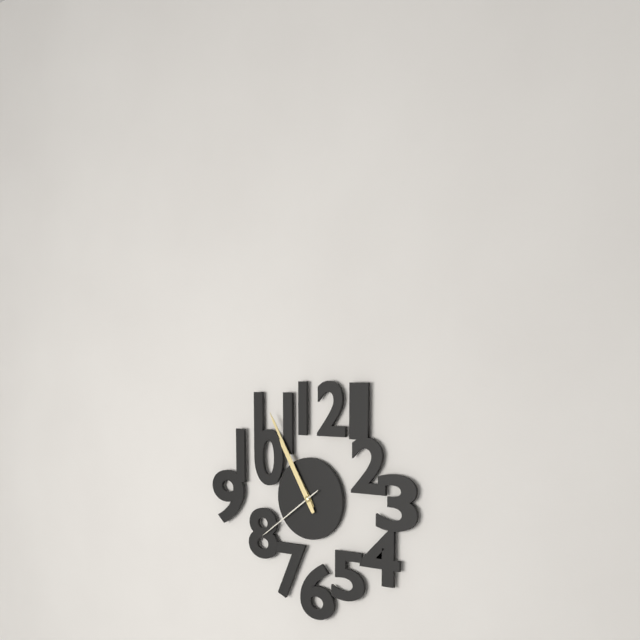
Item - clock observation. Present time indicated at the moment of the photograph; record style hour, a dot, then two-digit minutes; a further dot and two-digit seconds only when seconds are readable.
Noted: 10.55.39
